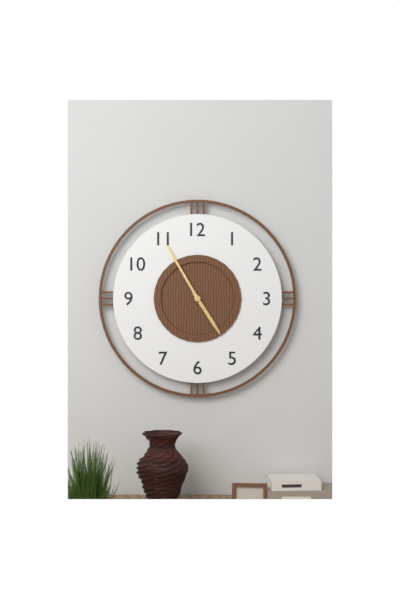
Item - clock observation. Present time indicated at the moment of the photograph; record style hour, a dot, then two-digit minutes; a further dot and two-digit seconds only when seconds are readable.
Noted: 4.55
